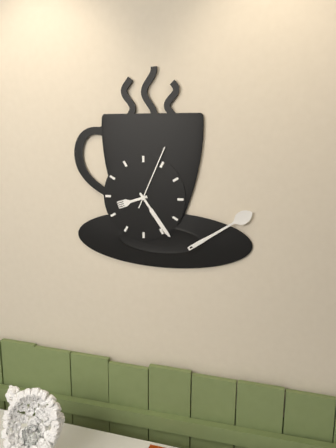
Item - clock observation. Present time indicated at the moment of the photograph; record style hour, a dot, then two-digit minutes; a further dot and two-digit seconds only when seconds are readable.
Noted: 8.24.04
